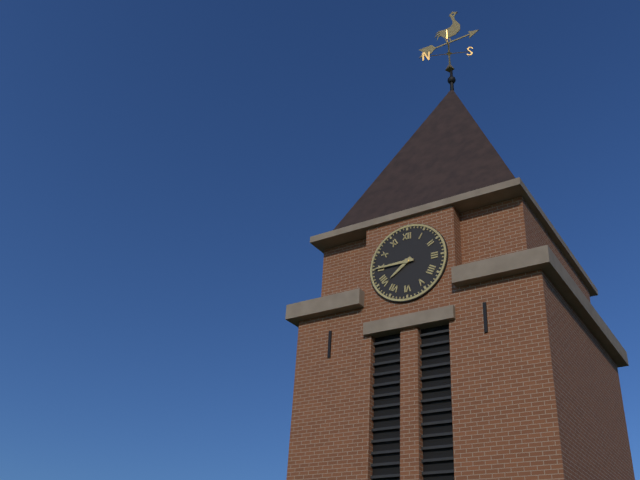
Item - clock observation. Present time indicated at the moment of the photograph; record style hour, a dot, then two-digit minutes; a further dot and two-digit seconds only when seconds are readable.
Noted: 7.45
